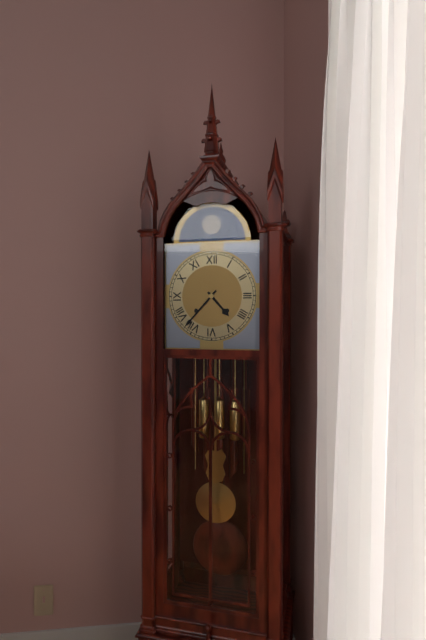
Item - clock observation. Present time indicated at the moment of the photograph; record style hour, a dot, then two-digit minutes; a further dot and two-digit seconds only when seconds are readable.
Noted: 4.37
